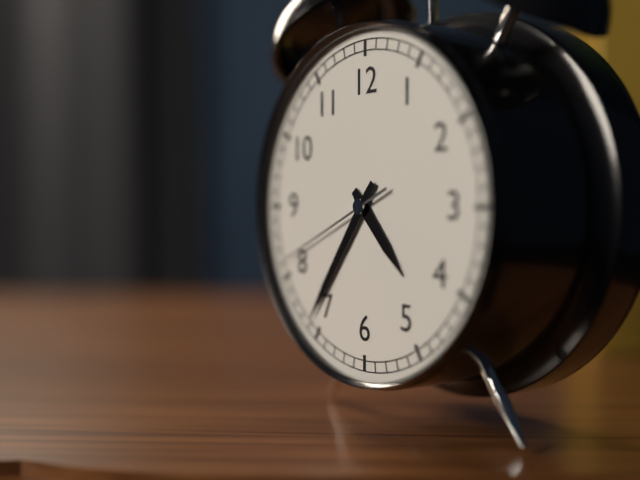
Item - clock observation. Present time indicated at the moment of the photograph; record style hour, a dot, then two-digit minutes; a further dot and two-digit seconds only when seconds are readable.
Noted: 4.36.41
